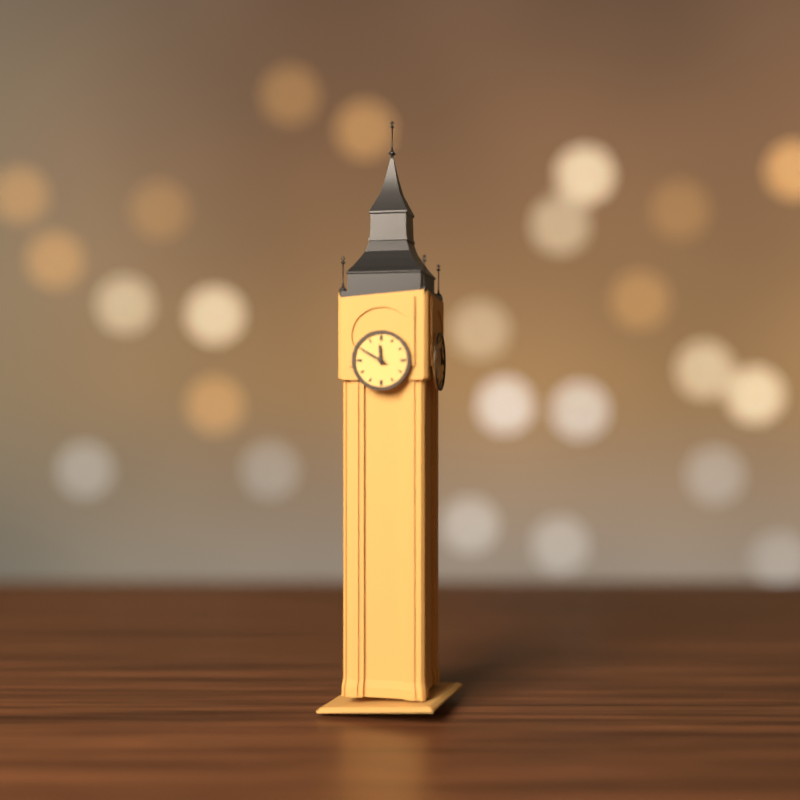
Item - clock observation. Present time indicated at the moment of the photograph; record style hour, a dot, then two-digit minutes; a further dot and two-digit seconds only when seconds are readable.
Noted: 11.50
